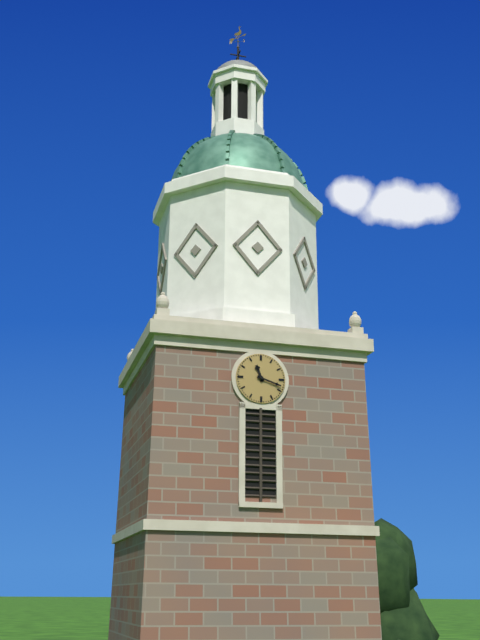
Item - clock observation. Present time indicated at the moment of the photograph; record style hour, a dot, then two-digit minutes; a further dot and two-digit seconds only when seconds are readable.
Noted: 11.18
